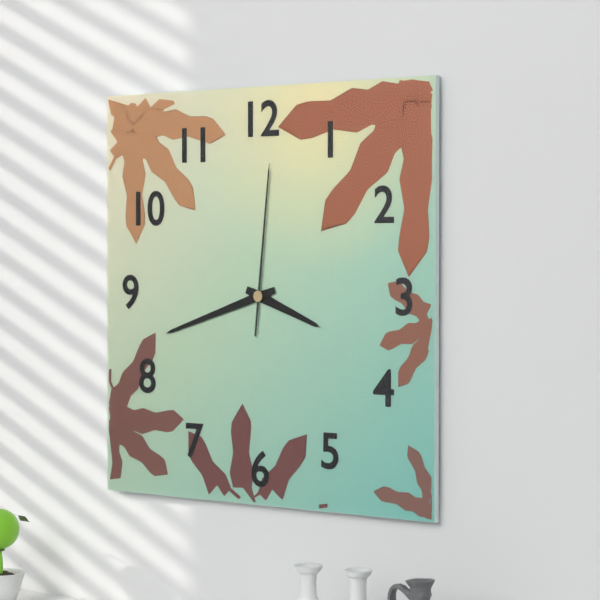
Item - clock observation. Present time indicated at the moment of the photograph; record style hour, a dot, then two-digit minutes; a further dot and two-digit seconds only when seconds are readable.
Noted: 3.42.01
